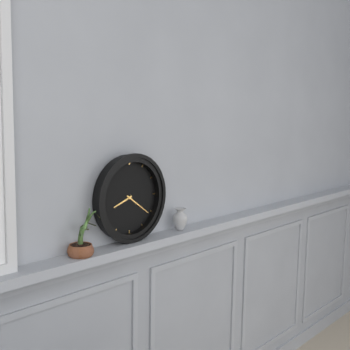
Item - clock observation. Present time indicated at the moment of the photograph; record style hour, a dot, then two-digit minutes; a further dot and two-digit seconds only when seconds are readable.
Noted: 8.21
